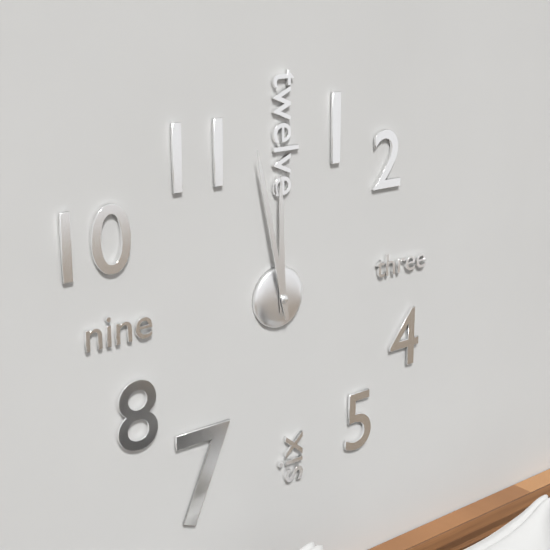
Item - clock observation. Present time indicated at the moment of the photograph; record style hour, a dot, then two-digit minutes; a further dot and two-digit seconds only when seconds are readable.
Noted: 11.58
